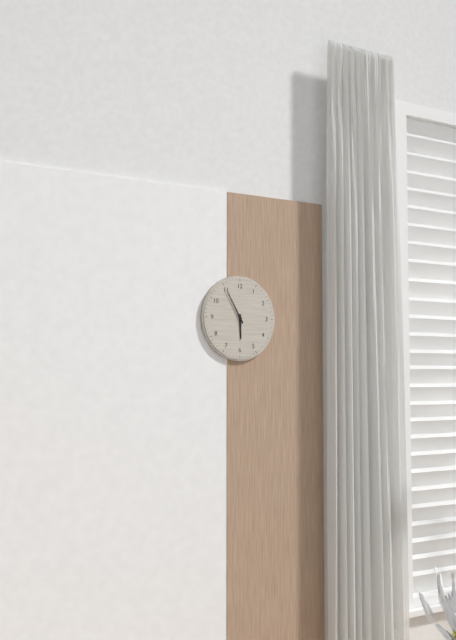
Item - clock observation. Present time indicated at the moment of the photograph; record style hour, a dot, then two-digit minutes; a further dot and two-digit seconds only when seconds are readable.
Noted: 5.55
